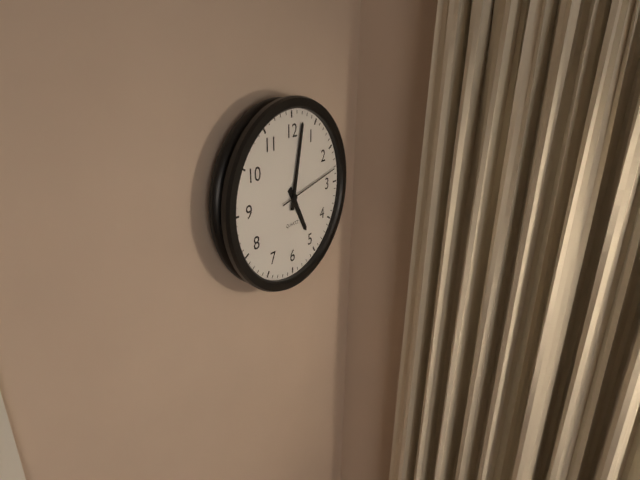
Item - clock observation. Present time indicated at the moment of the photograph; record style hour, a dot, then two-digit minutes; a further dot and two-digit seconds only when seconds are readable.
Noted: 5.02.13
